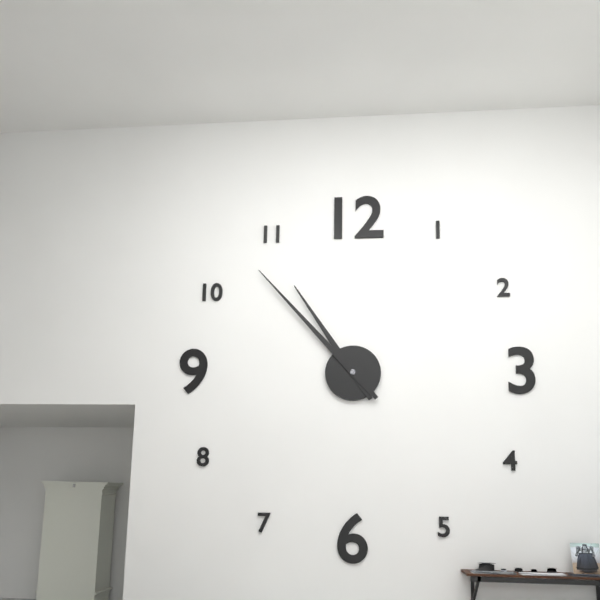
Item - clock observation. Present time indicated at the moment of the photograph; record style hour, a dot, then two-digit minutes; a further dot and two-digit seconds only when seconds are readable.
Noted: 10.53
